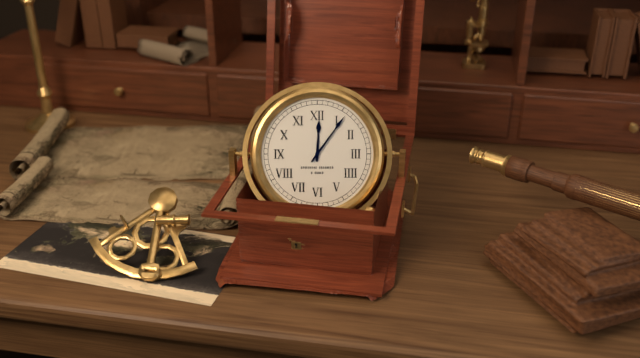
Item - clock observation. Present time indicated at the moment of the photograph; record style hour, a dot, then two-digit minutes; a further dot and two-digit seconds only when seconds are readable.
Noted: 12.06
